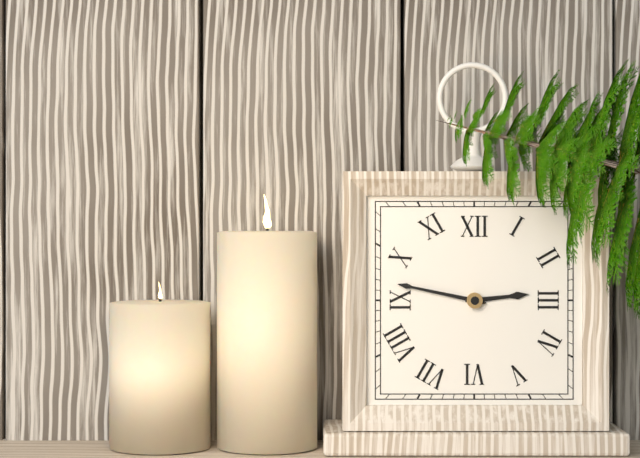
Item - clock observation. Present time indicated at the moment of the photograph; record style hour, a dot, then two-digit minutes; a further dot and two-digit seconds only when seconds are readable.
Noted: 2.47
